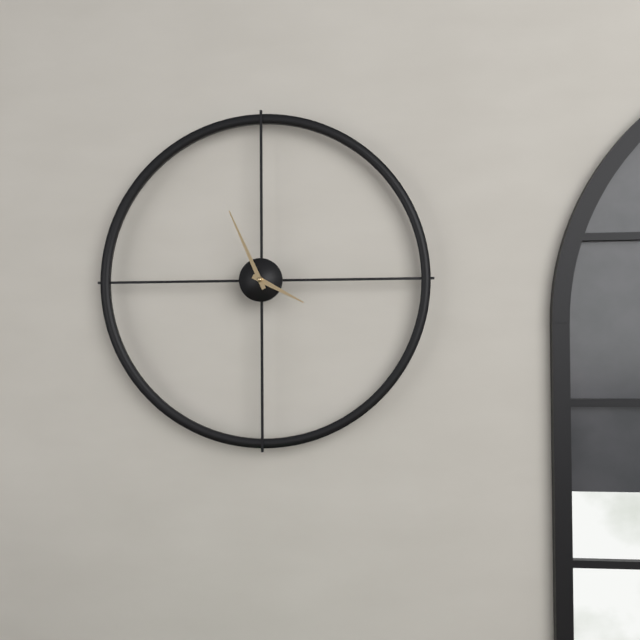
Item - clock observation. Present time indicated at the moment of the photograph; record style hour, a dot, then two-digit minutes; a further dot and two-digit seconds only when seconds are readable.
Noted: 3.56
